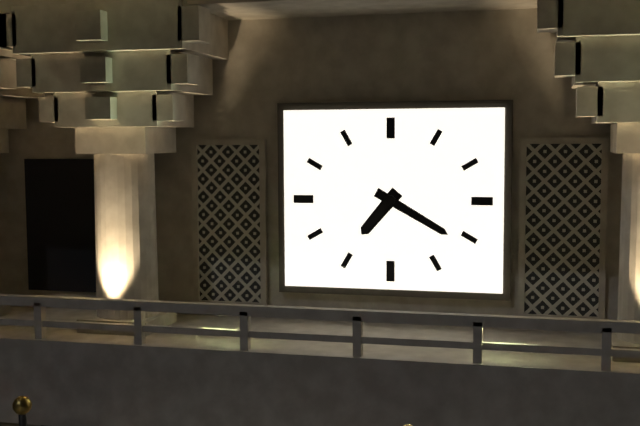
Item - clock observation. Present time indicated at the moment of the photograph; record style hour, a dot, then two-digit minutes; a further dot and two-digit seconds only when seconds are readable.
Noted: 7.20
